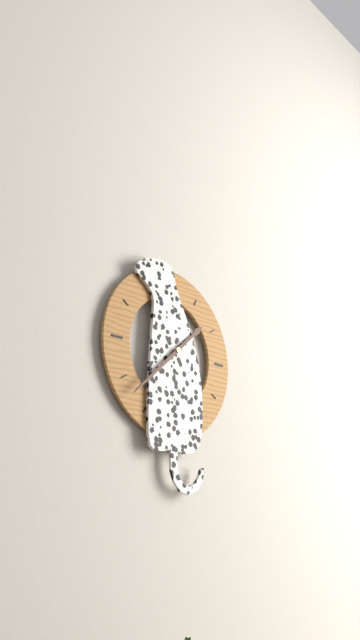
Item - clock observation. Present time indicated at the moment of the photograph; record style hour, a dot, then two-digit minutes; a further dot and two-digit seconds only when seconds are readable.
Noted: 1.38
